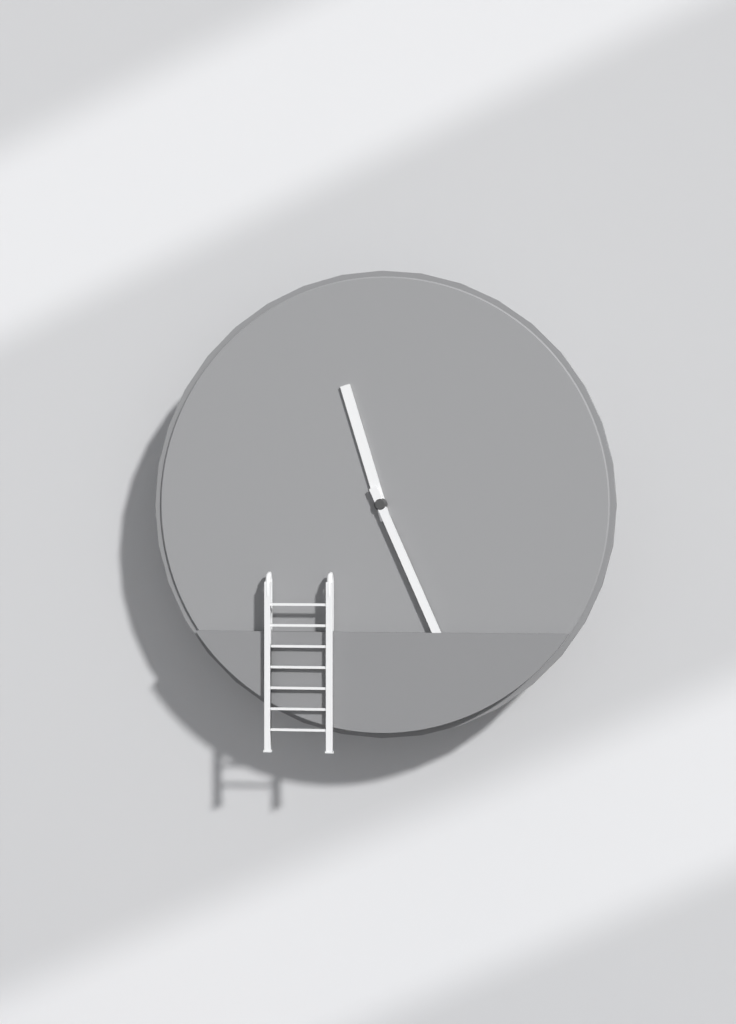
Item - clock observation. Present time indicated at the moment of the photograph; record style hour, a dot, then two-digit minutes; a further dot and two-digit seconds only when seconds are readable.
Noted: 11.26
